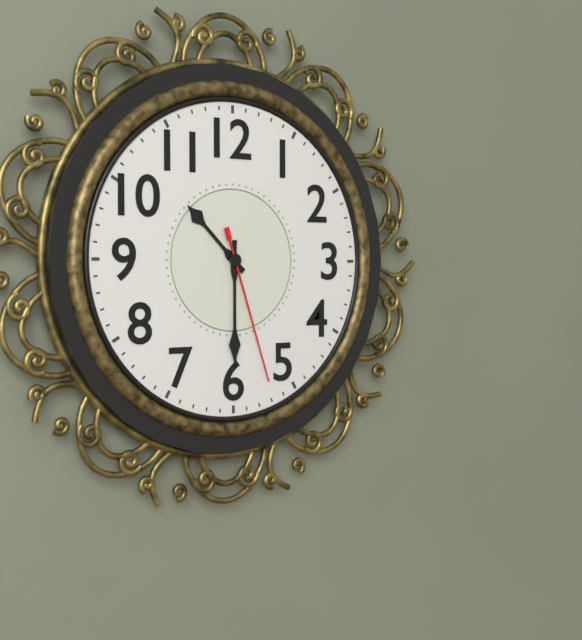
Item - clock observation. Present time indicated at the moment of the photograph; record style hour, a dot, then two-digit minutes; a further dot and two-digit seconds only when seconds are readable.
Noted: 10.30.27
